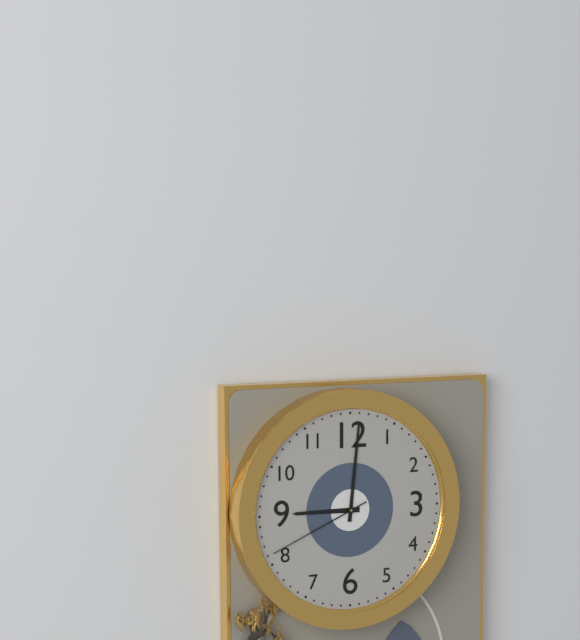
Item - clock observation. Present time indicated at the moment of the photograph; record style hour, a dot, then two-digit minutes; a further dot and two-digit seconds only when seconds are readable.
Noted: 9.01.41
